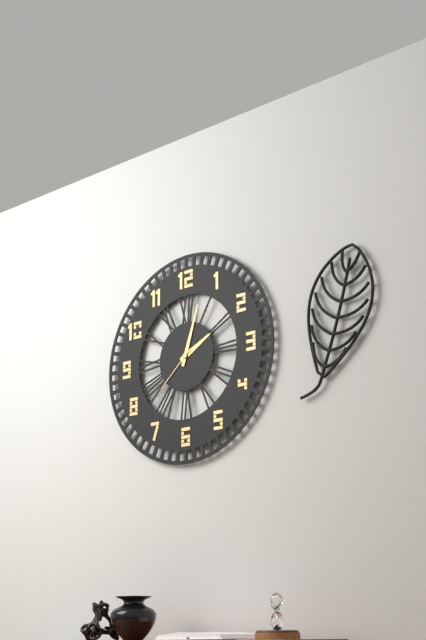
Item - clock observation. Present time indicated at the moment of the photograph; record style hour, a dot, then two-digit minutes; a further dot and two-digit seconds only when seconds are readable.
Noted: 2.03.38
